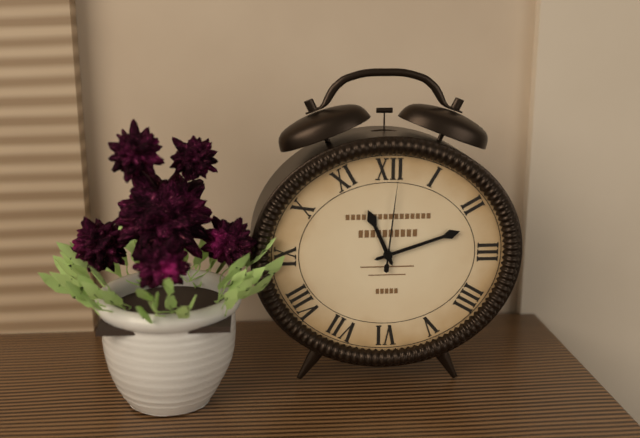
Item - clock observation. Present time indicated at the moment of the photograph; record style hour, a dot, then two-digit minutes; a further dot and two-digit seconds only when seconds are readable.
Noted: 11.12.01
